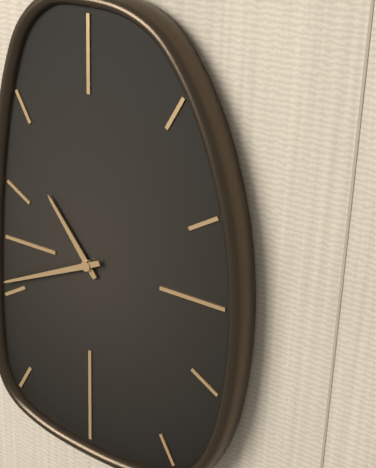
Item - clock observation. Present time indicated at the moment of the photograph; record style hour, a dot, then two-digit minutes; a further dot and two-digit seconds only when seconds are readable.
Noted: 10.41
